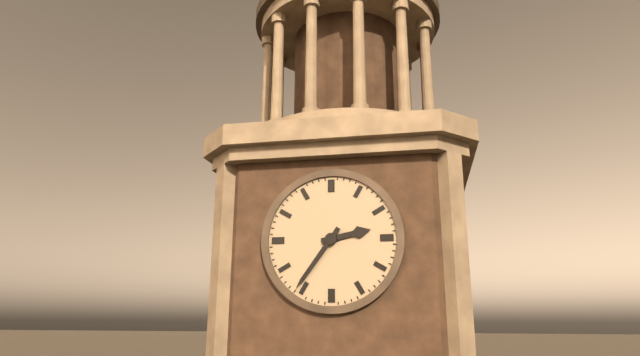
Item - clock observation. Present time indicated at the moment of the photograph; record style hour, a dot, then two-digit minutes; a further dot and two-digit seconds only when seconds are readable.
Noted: 2.36
